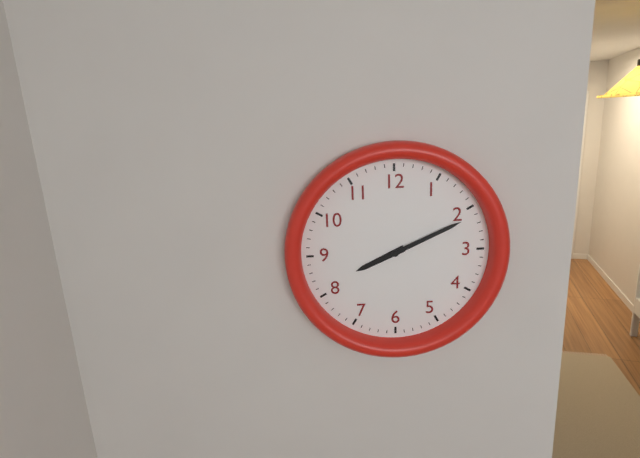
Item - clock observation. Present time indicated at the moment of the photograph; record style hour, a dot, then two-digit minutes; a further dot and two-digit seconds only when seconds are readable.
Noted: 8.11
